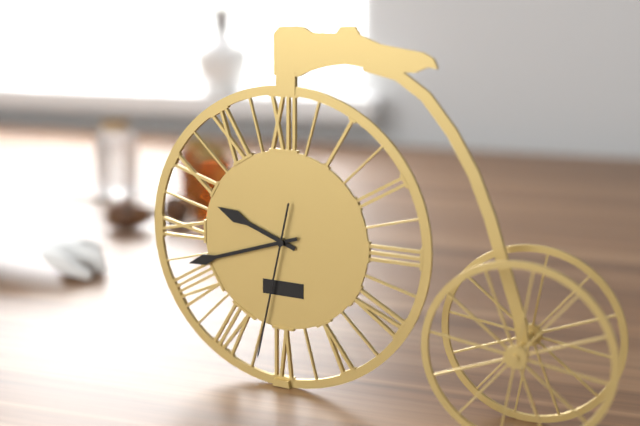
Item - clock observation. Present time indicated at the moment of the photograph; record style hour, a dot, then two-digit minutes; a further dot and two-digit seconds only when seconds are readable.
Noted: 9.42.32
